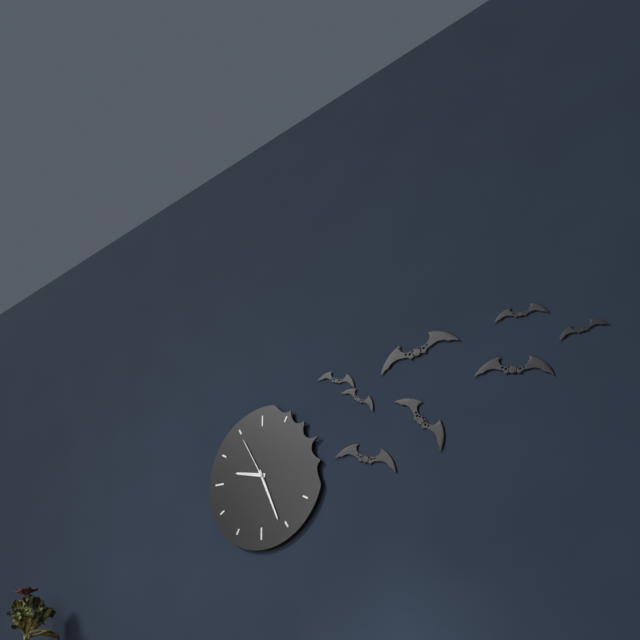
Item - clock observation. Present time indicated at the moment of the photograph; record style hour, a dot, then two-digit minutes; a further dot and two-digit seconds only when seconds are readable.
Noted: 9.26.55
